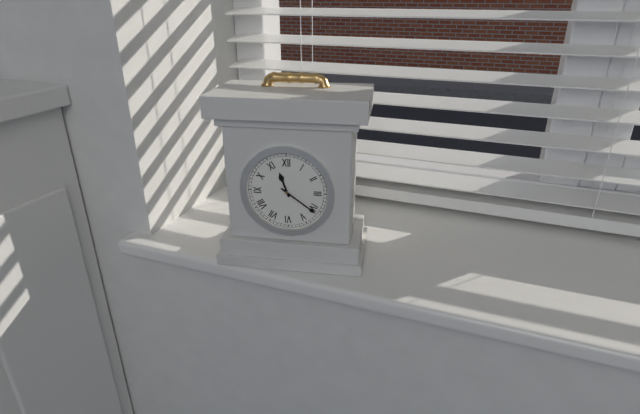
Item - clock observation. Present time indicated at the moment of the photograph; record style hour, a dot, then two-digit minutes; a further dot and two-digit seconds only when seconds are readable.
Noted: 11.21
